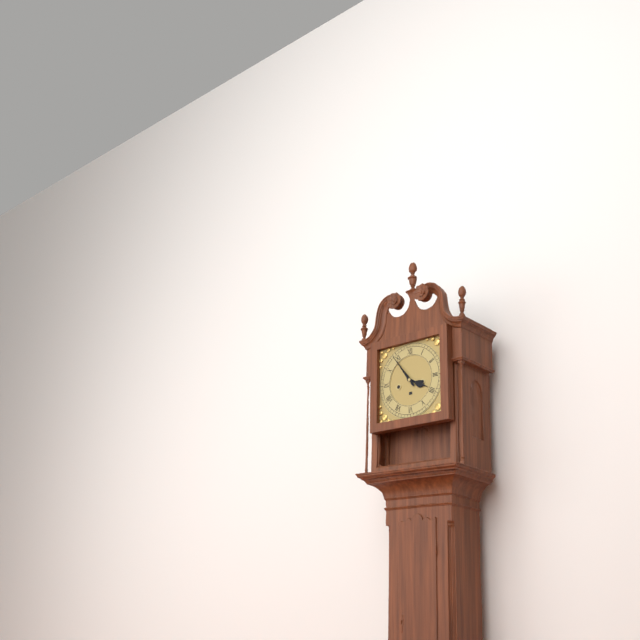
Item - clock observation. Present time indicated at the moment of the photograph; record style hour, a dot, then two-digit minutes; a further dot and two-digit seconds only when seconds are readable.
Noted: 3.54
